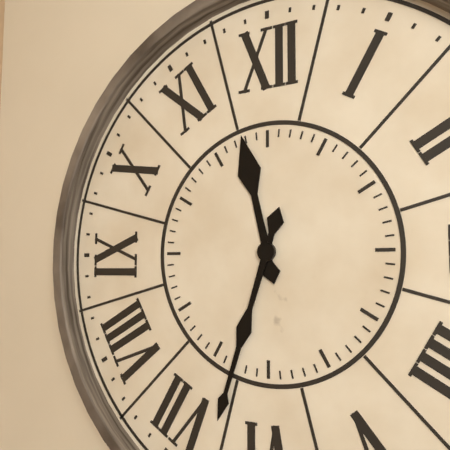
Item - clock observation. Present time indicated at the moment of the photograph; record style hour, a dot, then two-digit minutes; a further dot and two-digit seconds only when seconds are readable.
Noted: 11.33
